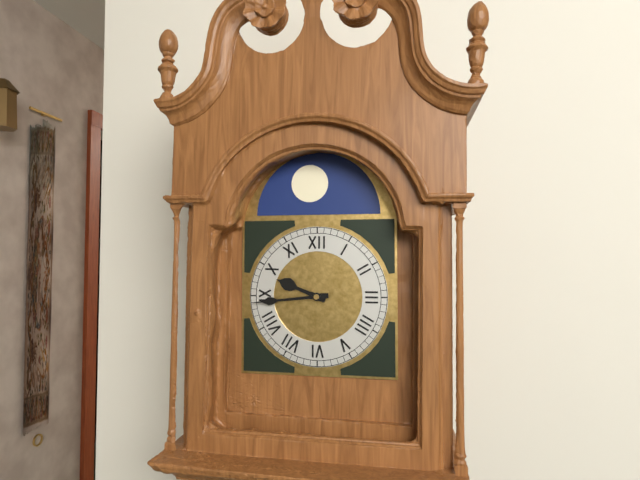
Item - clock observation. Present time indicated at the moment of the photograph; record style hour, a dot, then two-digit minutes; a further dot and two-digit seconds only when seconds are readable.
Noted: 9.44
